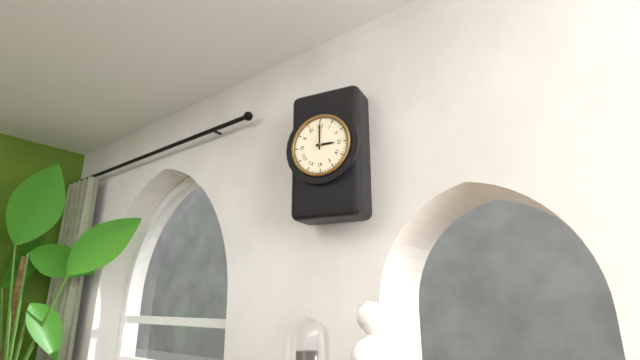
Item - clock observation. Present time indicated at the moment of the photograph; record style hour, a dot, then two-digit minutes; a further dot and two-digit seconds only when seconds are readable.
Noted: 3.00
